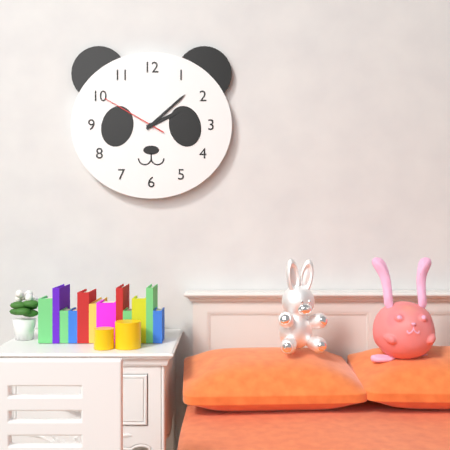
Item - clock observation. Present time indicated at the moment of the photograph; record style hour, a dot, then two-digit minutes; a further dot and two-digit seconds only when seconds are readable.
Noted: 2.08.50
